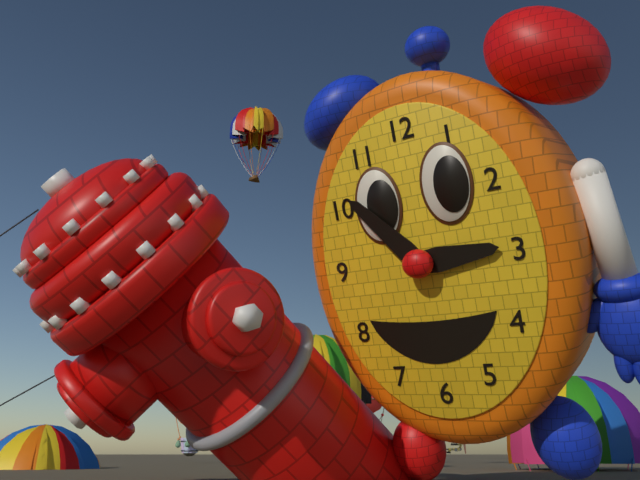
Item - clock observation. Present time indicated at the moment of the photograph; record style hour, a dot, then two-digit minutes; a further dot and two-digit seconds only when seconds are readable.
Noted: 2.53
